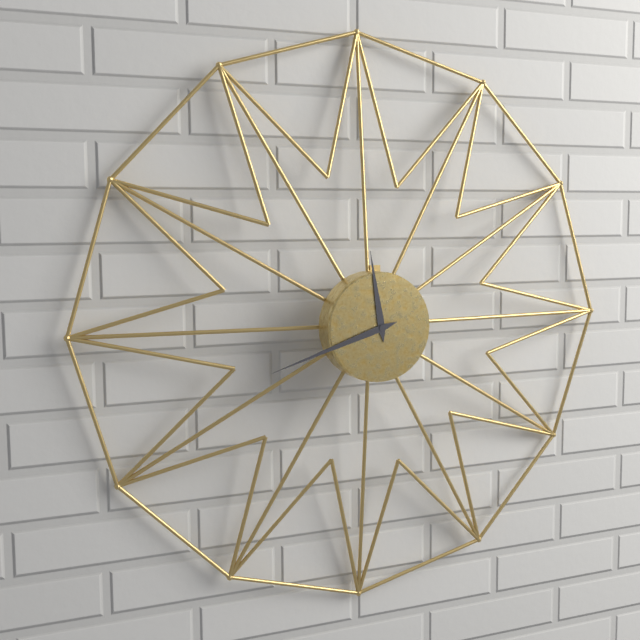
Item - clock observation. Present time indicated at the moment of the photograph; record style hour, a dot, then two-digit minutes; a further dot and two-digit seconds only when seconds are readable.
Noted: 11.42
